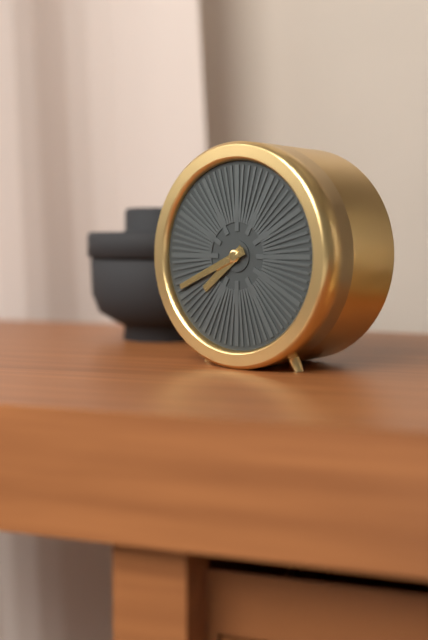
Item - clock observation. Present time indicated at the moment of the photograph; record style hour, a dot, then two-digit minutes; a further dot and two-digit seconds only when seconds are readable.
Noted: 7.41
